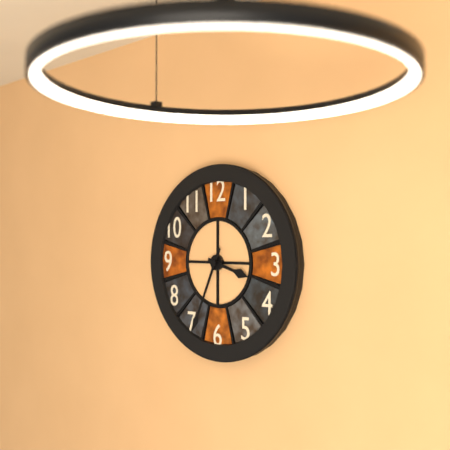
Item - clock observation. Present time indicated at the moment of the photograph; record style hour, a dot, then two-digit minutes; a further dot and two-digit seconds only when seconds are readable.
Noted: 3.34
